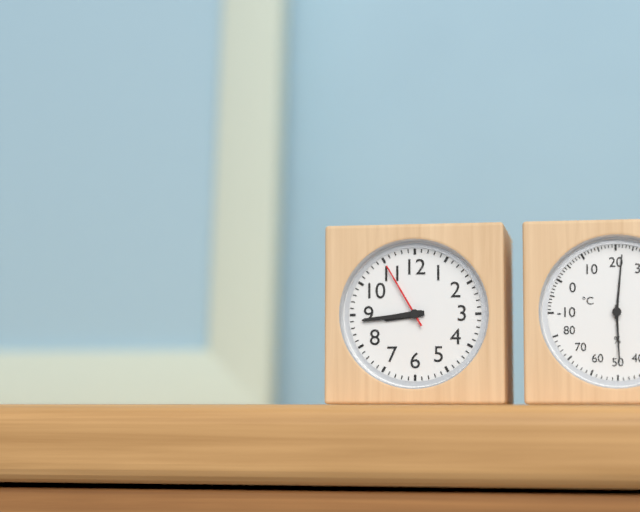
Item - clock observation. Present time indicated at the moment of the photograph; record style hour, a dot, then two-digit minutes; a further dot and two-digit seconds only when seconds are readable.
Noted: 8.44.55
